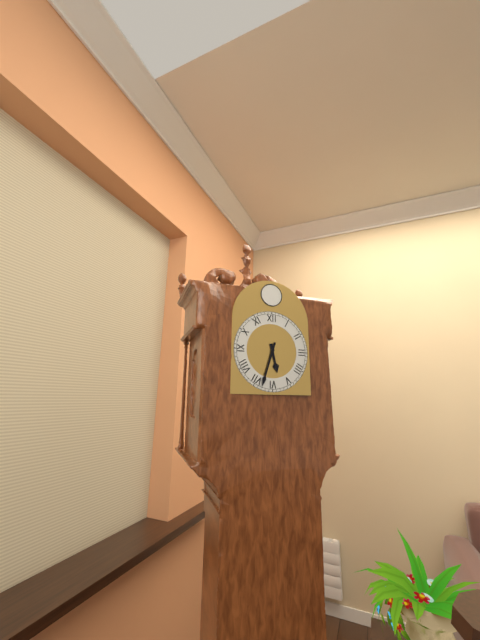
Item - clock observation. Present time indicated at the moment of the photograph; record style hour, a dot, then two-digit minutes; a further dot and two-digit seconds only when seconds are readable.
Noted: 5.33
